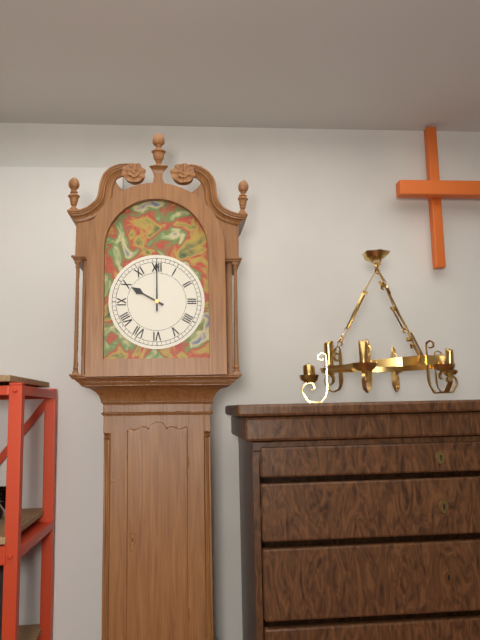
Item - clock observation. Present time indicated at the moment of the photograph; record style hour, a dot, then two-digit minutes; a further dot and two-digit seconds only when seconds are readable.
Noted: 10.00
